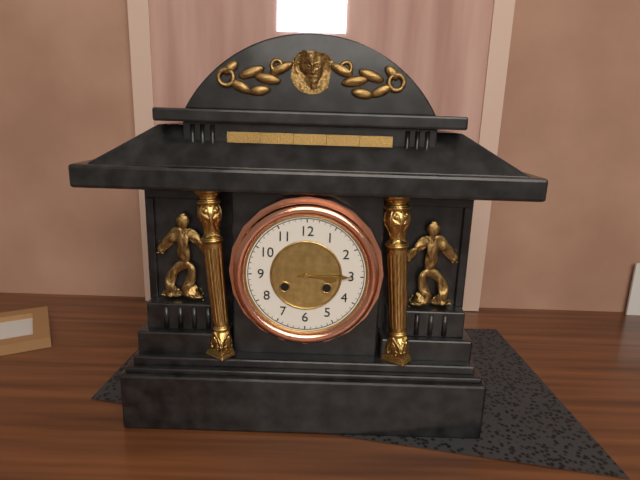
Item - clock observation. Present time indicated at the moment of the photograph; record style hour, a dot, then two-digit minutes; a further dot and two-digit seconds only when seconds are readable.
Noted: 3.15
